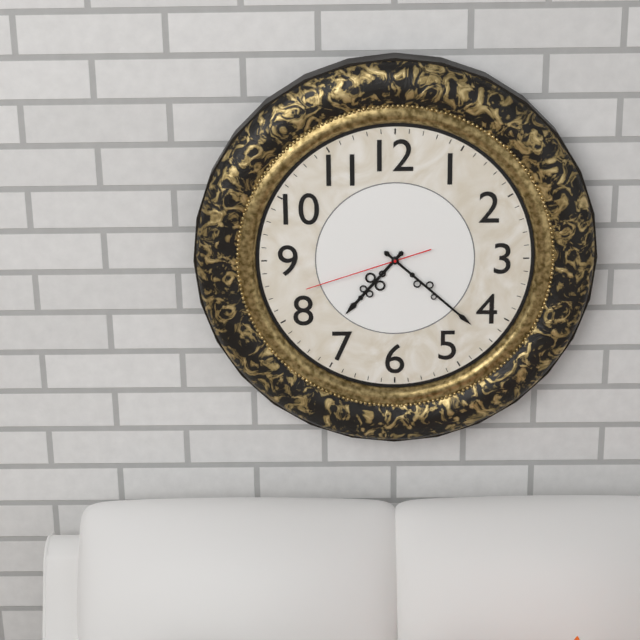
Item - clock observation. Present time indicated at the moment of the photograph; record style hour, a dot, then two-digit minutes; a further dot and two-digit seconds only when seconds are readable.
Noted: 7.22.42
